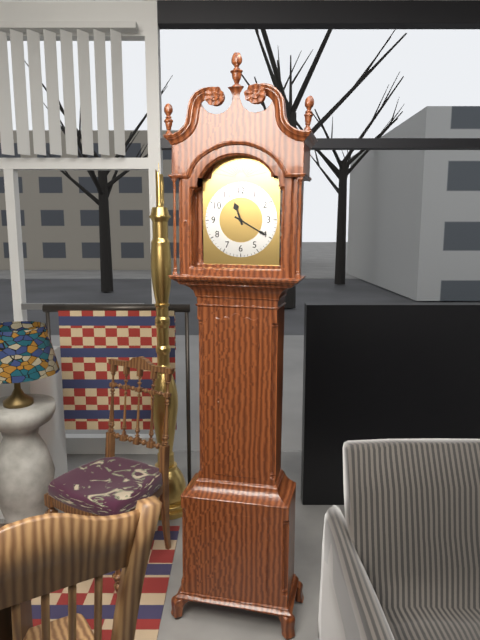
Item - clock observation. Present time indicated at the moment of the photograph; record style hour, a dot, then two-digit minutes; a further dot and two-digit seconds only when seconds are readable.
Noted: 11.20
